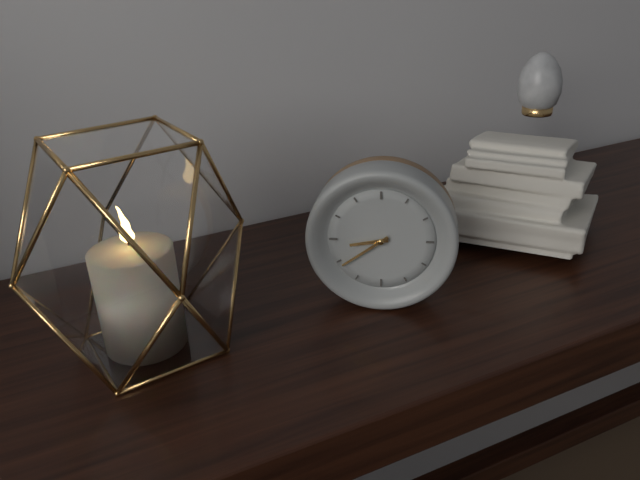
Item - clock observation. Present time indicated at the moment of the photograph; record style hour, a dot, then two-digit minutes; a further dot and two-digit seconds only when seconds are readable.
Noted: 8.39
